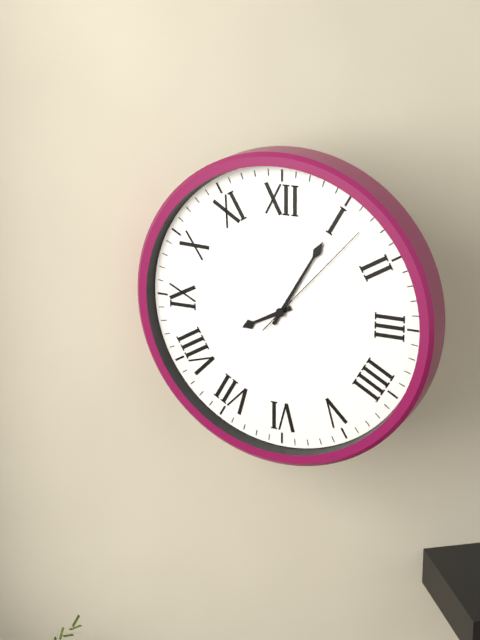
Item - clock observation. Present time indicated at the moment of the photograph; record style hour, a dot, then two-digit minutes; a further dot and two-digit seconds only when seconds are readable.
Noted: 8.05.07
